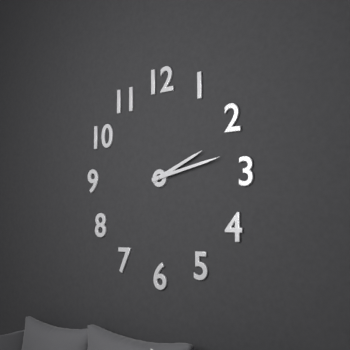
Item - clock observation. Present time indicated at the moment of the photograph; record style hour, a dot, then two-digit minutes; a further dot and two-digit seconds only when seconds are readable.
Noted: 2.13
